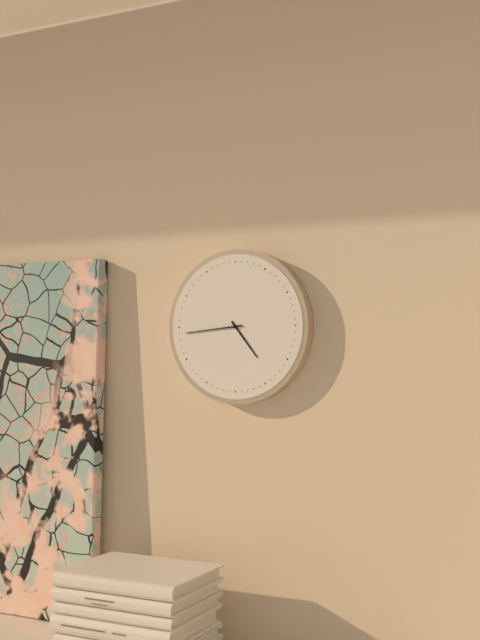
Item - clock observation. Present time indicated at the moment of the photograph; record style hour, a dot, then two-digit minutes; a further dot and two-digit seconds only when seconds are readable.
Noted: 4.44
